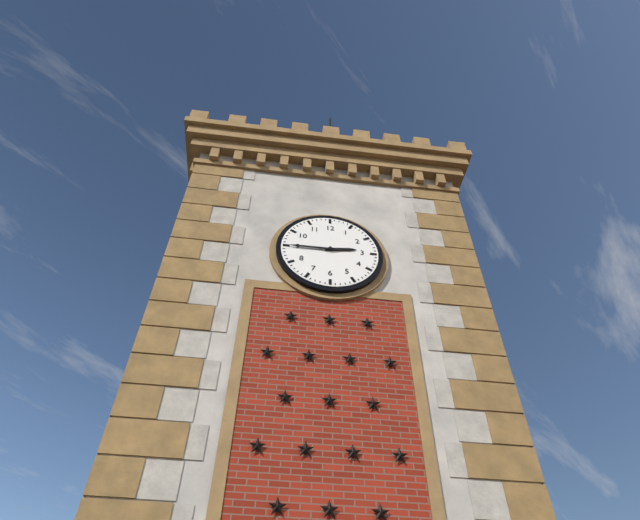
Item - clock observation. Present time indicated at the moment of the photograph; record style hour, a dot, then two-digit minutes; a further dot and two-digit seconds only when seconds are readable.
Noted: 2.45
